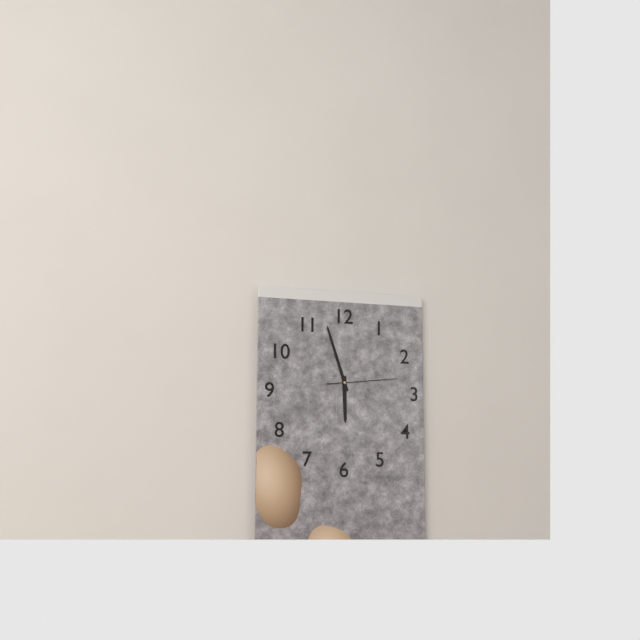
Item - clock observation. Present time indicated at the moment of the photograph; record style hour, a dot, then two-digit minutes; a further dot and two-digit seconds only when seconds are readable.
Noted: 5.57.14
